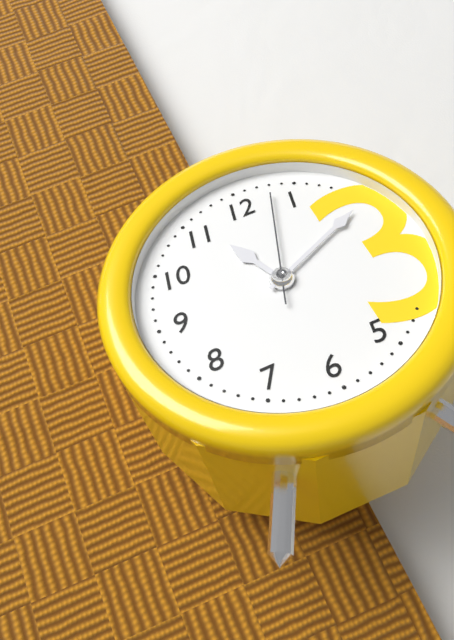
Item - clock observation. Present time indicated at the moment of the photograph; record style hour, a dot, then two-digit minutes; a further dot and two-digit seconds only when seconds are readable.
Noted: 11.11.03
